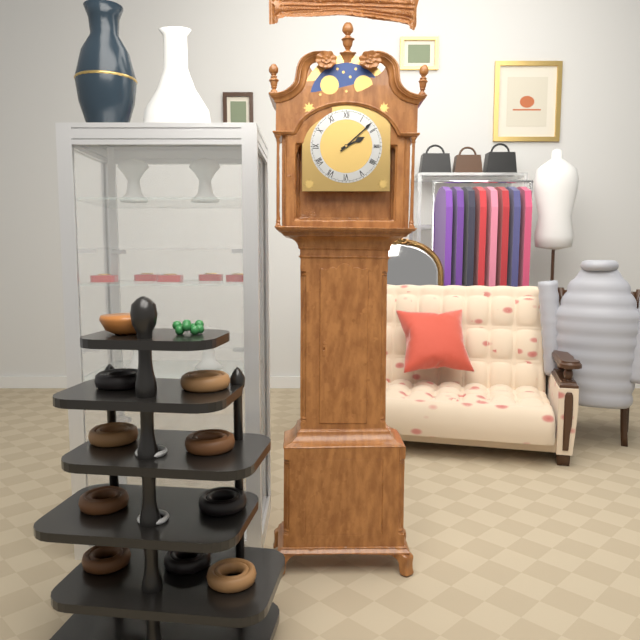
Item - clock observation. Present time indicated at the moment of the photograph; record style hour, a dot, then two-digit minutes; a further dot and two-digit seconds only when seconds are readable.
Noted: 2.08
